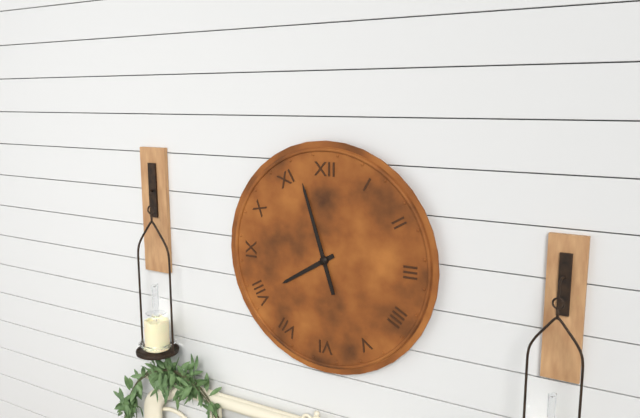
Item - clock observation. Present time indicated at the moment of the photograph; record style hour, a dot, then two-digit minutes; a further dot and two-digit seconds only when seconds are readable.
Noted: 7.57
